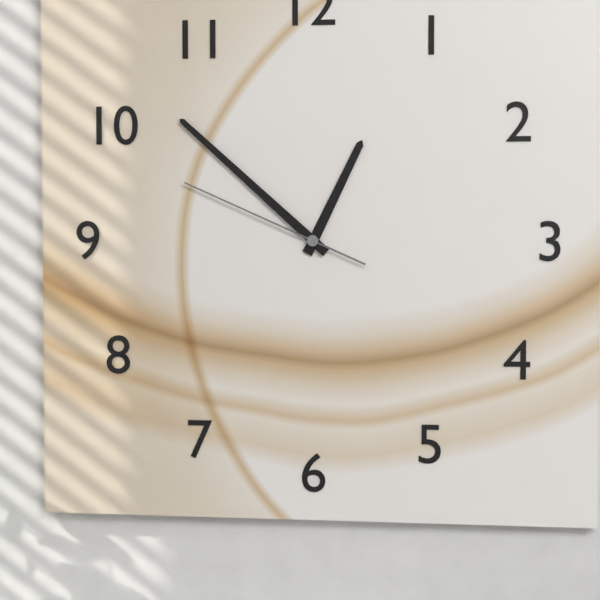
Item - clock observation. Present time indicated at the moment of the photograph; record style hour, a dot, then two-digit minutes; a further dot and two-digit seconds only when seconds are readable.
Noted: 12.52.49
